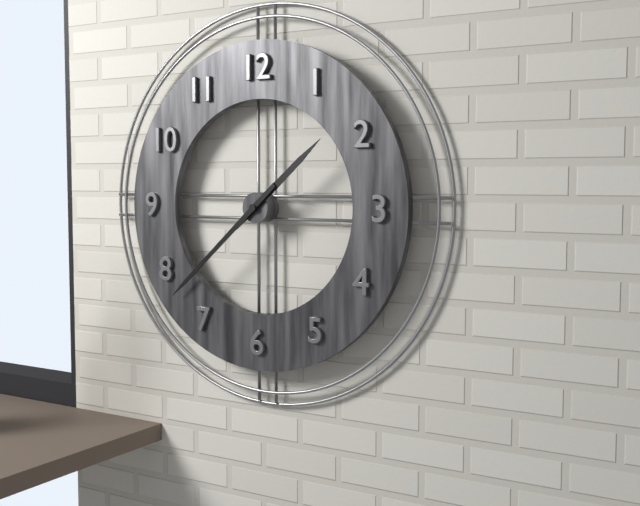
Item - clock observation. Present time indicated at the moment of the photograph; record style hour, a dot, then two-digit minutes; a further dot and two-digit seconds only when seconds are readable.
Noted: 1.38
